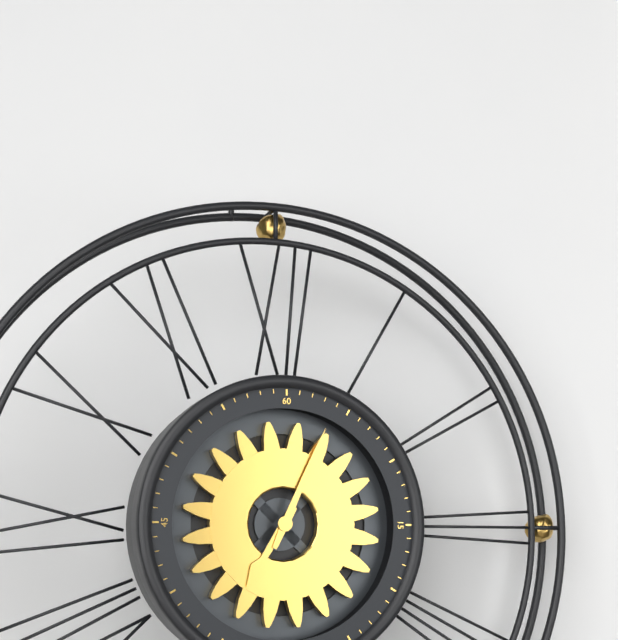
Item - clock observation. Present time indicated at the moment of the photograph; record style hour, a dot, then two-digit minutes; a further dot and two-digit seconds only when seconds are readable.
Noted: 7.04
